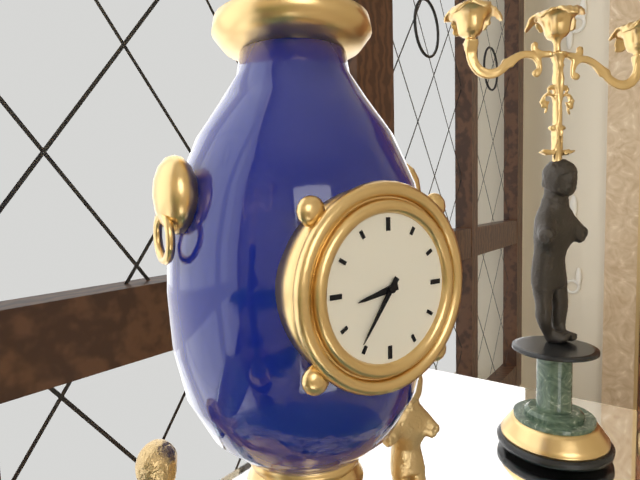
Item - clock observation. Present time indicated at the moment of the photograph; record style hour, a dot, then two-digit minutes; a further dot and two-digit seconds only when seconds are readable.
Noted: 8.36
